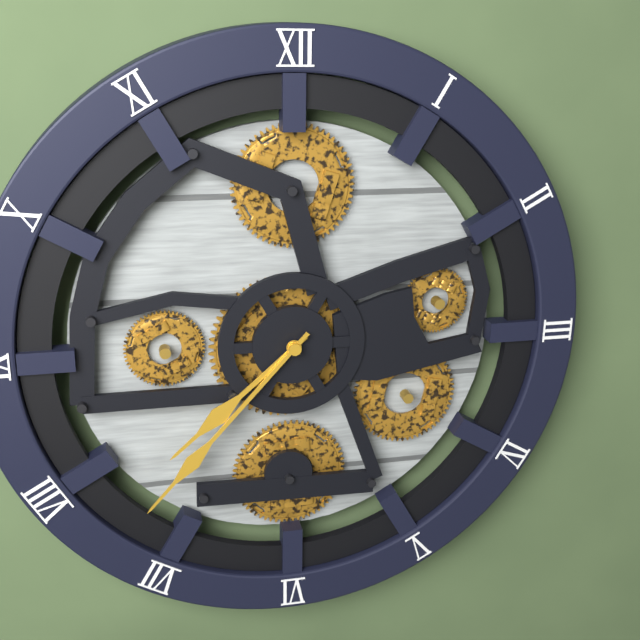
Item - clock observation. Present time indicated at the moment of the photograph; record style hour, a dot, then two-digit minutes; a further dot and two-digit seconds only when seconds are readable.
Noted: 7.37
